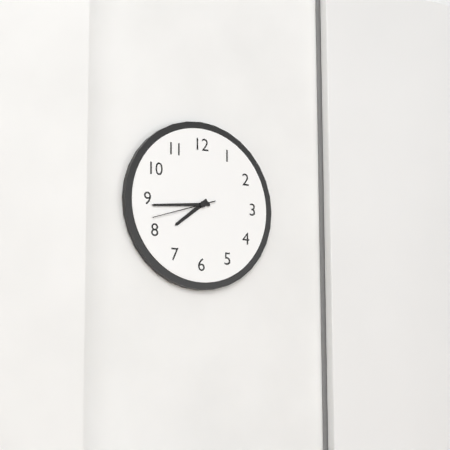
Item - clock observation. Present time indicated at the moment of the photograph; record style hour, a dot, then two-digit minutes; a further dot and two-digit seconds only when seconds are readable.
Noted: 7.44.42
